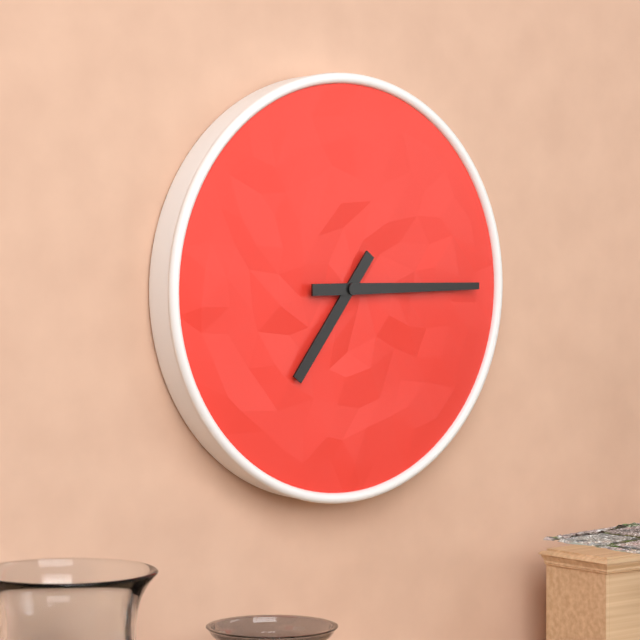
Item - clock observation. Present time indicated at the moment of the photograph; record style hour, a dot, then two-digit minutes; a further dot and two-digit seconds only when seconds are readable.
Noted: 7.15
